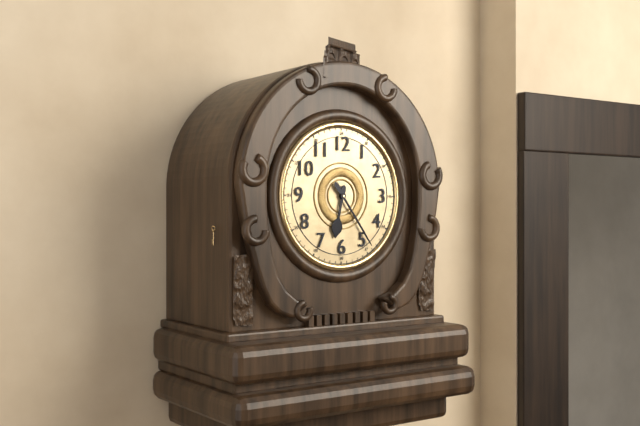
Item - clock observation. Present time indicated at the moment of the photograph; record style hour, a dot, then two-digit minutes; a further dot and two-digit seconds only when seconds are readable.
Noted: 6.24
